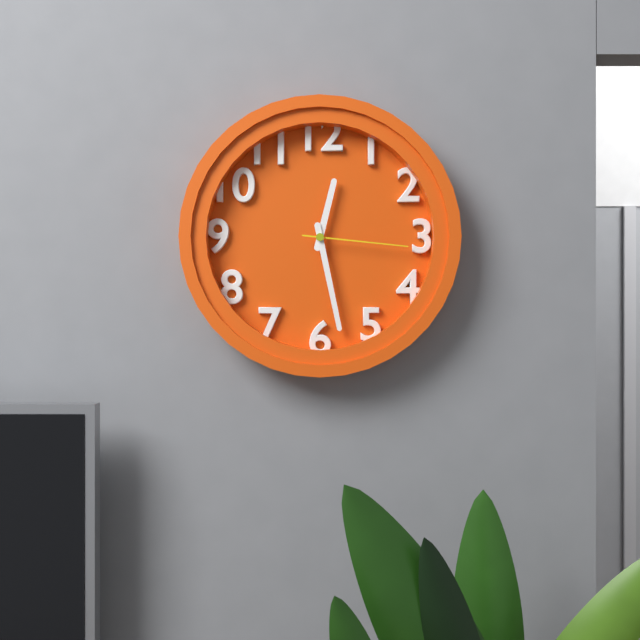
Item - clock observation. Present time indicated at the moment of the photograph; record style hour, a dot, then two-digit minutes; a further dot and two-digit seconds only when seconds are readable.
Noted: 12.28.16
